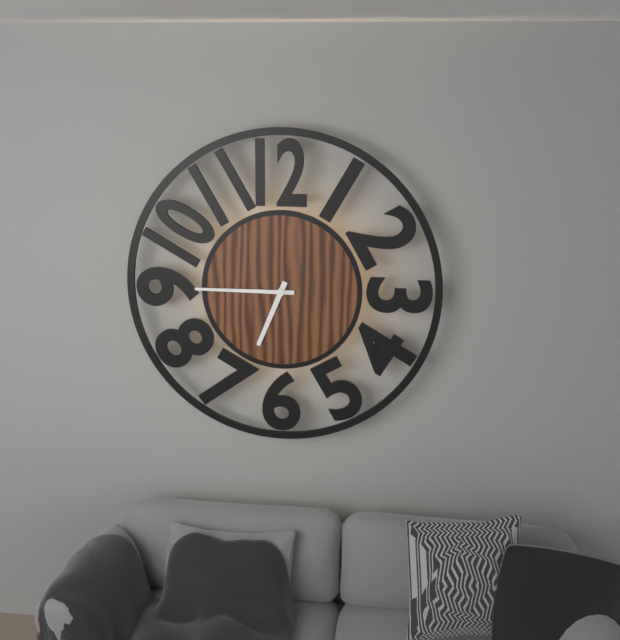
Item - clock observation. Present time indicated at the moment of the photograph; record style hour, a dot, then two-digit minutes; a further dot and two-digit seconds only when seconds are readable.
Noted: 6.45
